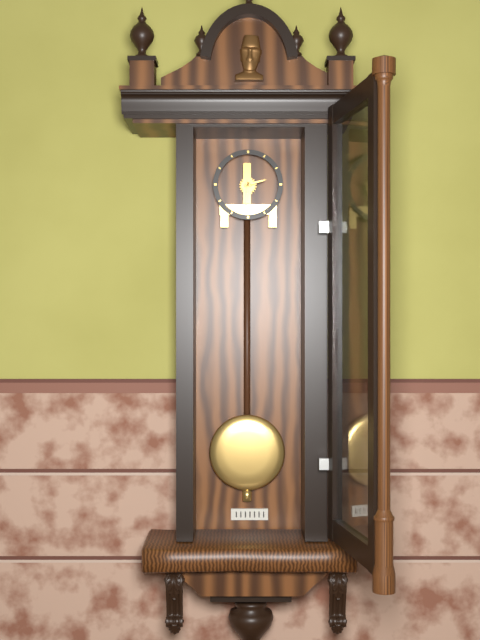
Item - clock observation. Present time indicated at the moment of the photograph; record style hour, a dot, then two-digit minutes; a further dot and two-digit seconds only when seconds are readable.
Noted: 2.31
